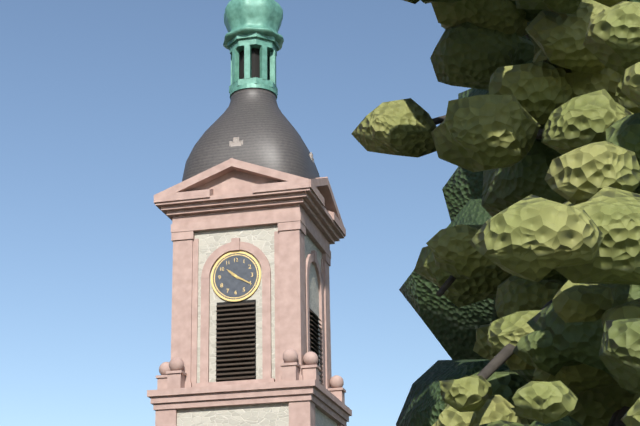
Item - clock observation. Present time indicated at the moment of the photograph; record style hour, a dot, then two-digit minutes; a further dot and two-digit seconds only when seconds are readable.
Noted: 10.20
